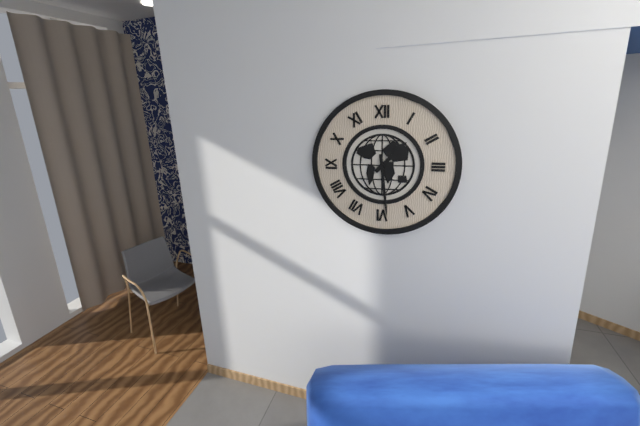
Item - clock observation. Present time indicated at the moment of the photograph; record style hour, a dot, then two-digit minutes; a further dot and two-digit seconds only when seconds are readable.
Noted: 1.29
